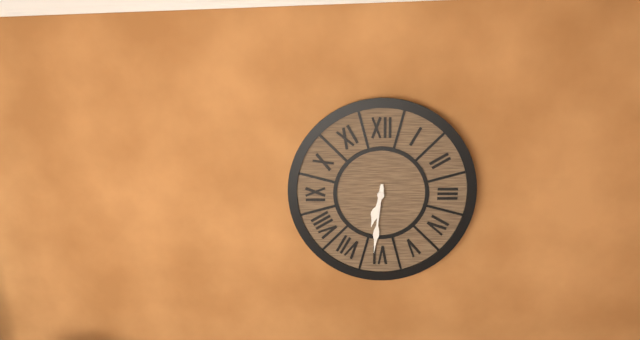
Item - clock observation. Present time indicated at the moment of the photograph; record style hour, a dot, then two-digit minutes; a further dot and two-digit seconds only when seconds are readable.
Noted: 6.31
